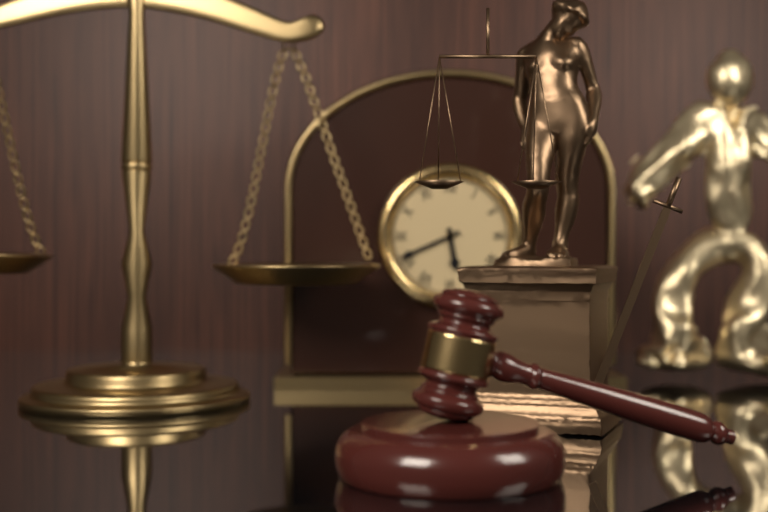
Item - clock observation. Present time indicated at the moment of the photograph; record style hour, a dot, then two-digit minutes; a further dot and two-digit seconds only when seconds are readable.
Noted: 5.41
